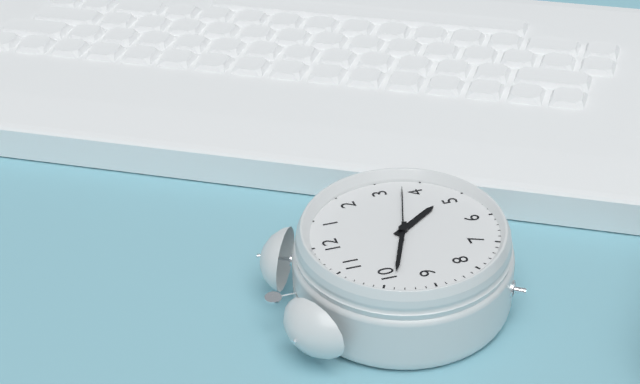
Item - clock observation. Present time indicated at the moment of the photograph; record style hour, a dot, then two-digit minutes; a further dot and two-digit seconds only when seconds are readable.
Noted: 4.49.18
